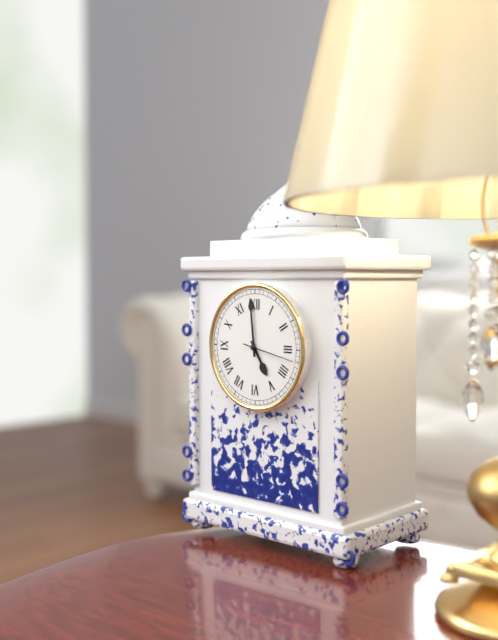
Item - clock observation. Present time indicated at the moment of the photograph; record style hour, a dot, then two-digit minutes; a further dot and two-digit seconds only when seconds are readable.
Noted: 4.59
